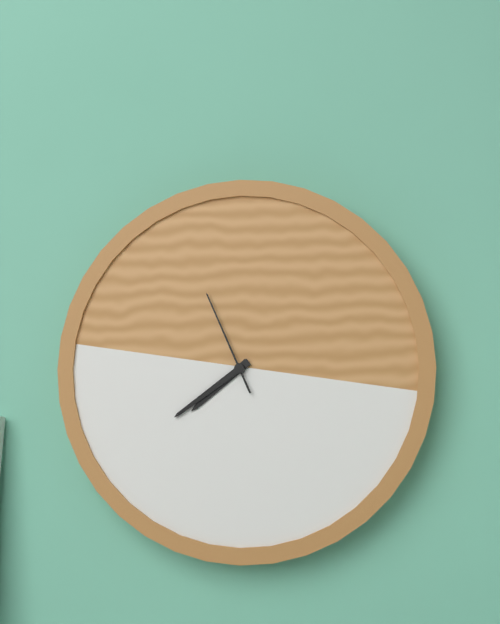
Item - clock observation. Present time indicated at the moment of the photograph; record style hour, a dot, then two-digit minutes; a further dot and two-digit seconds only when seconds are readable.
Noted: 7.39.56
